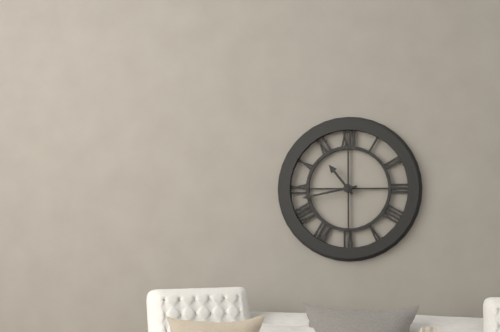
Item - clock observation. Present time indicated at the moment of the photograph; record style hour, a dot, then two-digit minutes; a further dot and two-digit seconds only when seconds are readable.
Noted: 10.43
